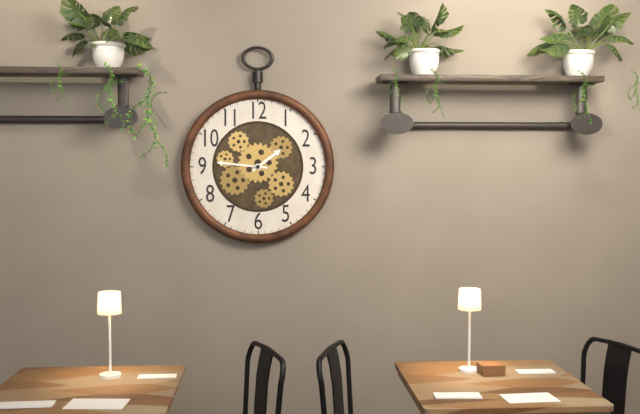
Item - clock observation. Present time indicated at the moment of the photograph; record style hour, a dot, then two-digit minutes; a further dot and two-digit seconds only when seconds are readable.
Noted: 1.46
